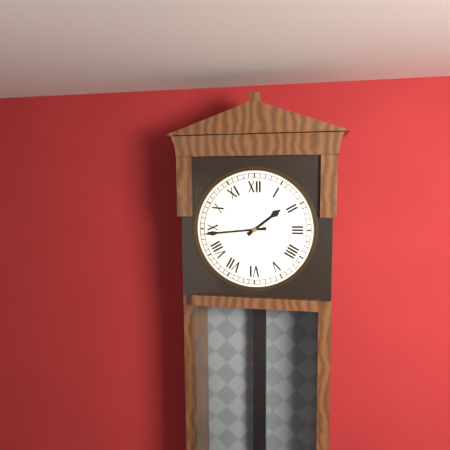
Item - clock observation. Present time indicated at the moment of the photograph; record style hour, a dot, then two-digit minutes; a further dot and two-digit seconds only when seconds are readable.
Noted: 1.44
